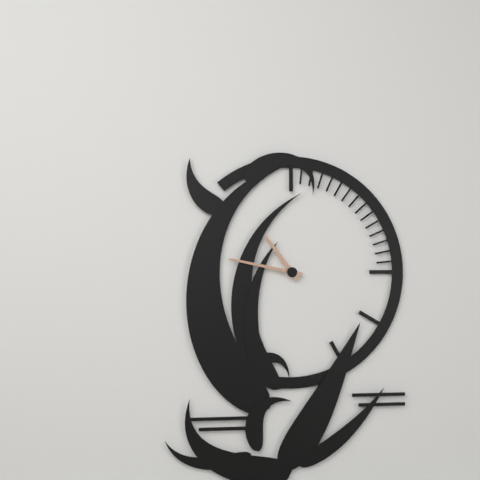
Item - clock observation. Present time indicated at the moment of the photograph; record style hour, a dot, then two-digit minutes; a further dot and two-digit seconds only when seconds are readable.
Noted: 10.47
